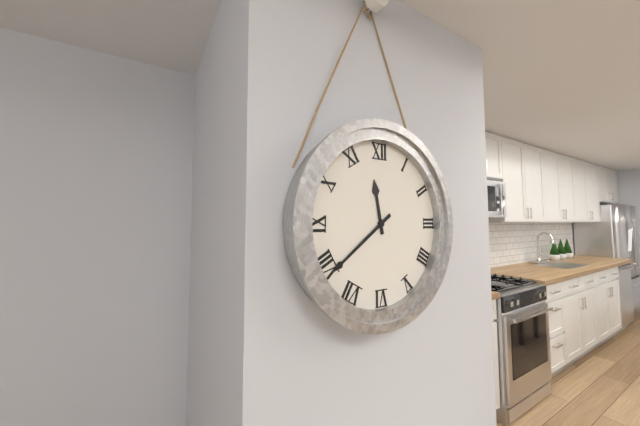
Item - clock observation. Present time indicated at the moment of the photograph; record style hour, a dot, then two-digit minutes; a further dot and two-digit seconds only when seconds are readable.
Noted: 11.39
